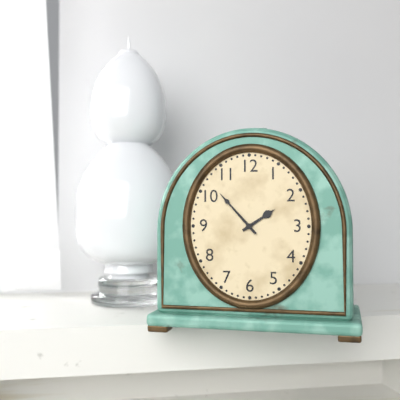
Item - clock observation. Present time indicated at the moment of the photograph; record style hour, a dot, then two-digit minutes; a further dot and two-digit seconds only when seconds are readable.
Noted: 1.53
